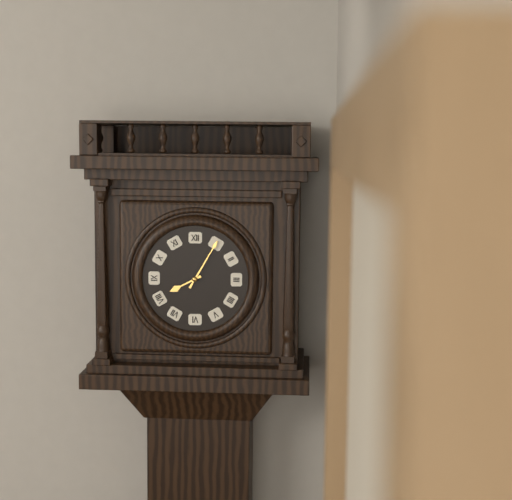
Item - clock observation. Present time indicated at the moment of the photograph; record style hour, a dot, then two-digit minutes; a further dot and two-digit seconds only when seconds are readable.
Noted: 8.05
